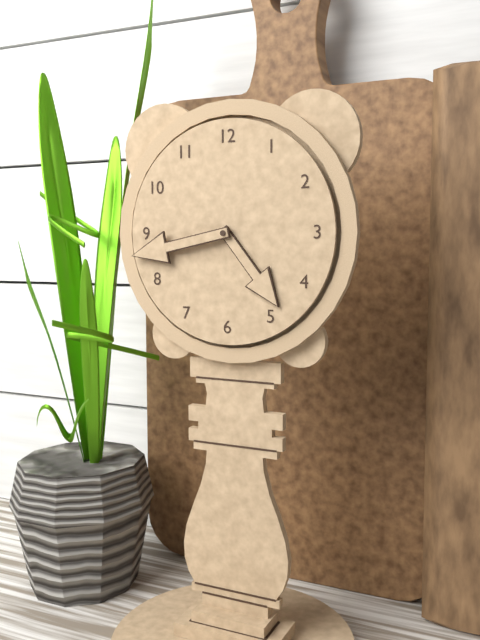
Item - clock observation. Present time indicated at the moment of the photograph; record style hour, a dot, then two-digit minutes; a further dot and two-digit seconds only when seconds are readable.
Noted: 4.43
